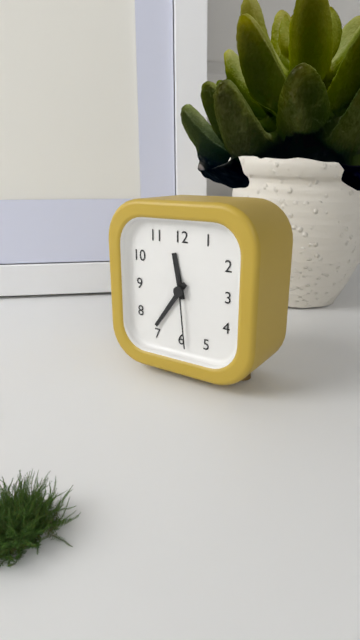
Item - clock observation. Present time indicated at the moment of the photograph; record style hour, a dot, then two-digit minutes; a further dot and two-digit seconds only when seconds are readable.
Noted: 11.36.29
